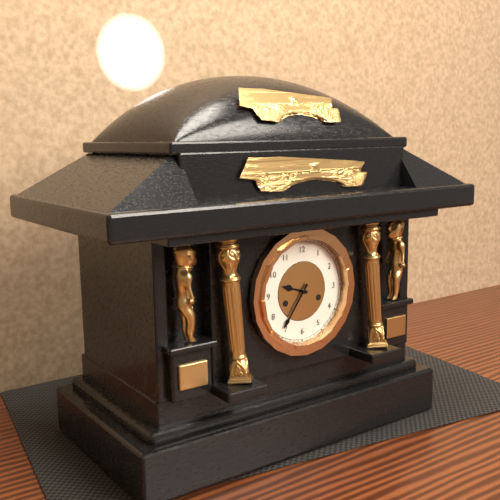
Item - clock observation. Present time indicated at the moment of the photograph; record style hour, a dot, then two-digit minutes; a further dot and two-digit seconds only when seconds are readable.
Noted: 9.36
